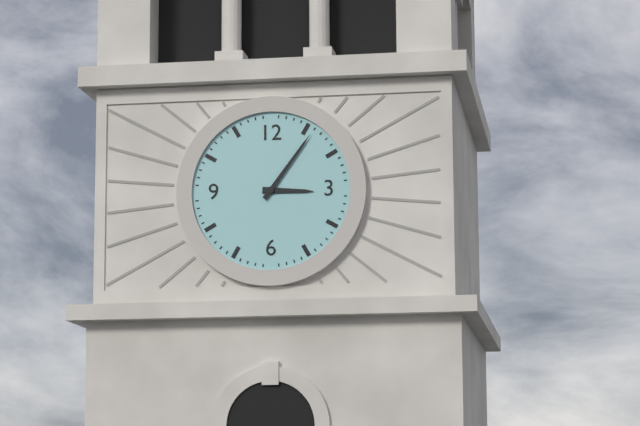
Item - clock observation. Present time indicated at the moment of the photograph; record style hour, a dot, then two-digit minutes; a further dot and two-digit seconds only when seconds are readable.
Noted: 3.06
